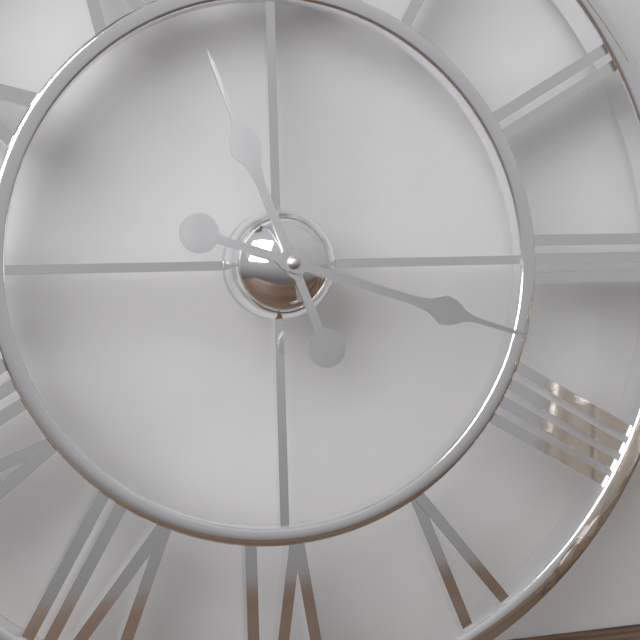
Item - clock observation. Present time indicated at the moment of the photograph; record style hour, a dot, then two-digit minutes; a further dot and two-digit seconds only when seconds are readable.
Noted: 11.18
